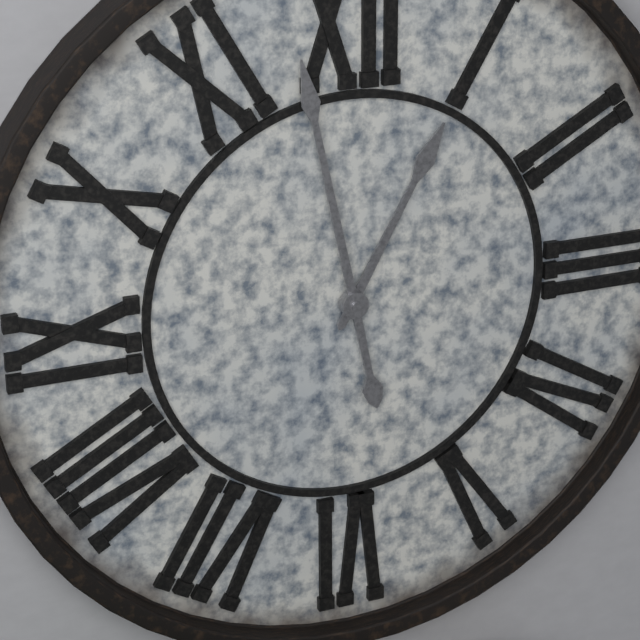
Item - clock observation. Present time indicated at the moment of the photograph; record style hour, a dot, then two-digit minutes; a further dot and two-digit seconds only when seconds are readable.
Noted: 12.58
